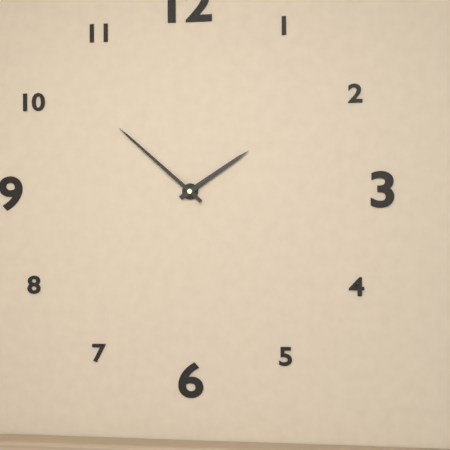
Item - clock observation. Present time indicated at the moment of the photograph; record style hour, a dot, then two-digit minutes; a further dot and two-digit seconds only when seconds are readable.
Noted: 1.52
